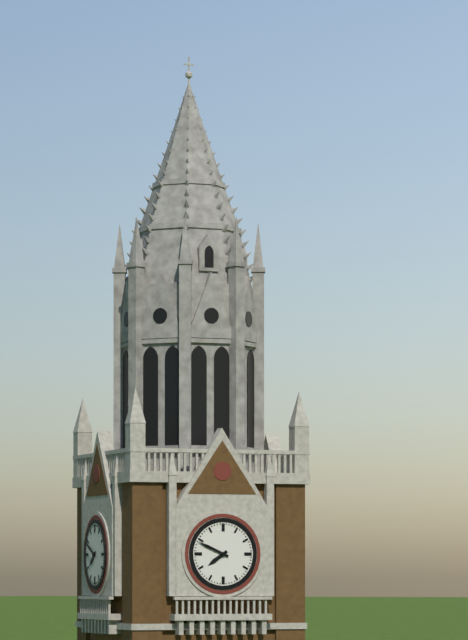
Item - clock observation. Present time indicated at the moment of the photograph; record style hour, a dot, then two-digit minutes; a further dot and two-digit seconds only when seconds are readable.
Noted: 7.49
